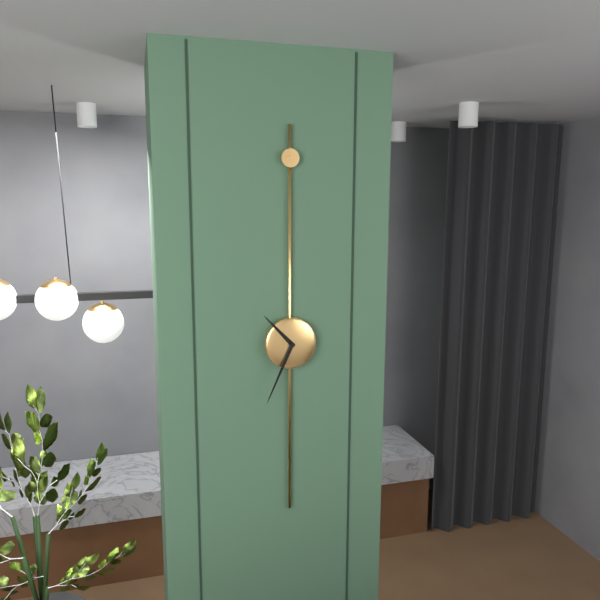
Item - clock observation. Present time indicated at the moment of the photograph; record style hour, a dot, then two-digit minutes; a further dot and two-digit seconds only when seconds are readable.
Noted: 10.34
